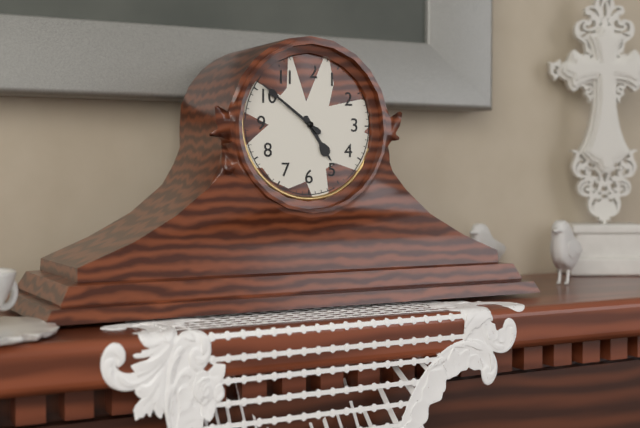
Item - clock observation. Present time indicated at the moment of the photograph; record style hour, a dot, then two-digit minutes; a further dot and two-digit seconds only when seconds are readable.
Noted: 4.51
